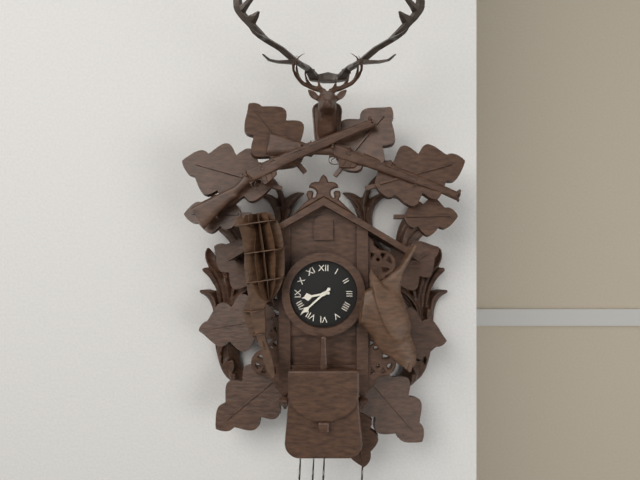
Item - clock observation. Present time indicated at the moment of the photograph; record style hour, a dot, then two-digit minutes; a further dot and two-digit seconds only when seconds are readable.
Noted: 8.38
